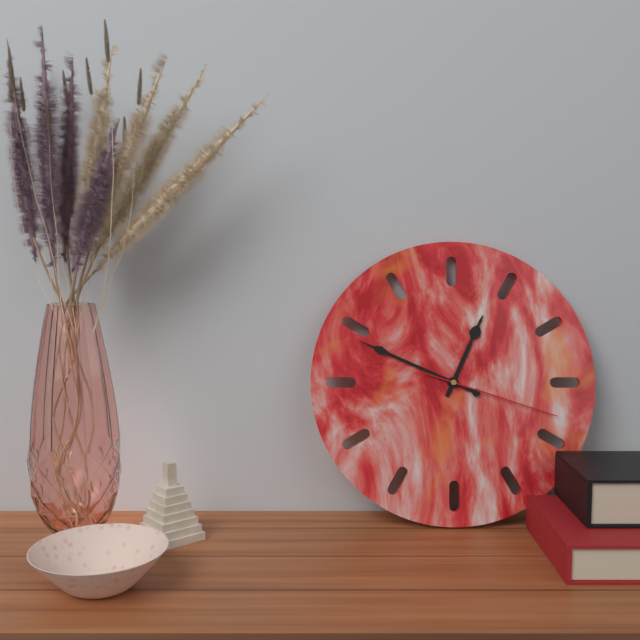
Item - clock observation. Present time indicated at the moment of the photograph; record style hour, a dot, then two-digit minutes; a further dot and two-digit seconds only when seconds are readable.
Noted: 12.49.18
